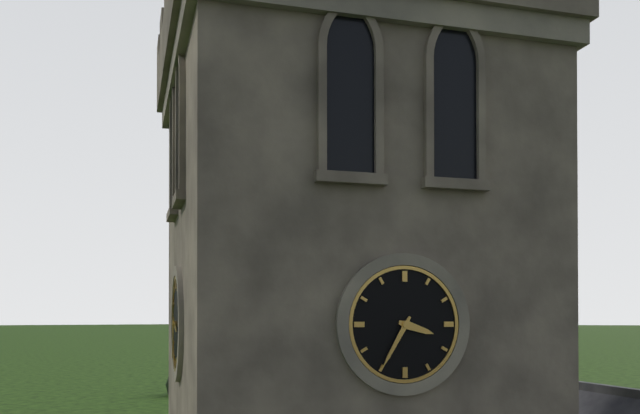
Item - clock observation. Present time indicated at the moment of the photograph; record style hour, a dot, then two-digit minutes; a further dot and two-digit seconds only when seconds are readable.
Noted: 3.35
